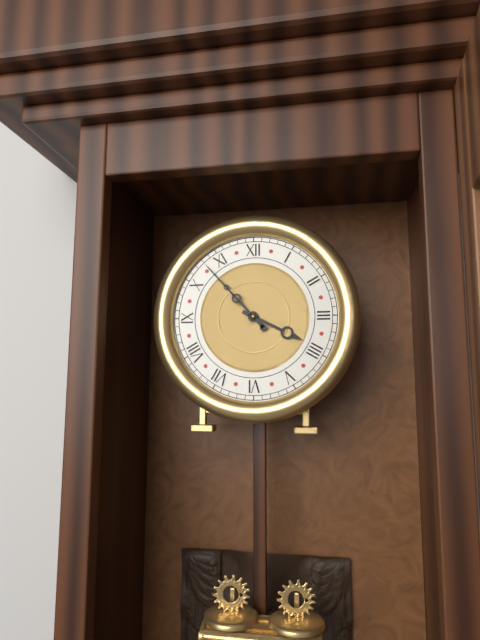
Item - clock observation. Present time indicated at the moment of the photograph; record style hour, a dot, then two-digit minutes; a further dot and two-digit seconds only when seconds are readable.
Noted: 3.53
